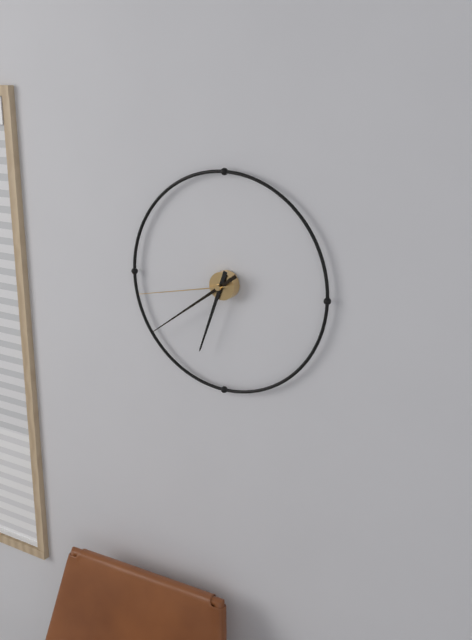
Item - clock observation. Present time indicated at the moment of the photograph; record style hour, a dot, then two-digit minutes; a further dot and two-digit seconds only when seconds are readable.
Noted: 6.39.43
